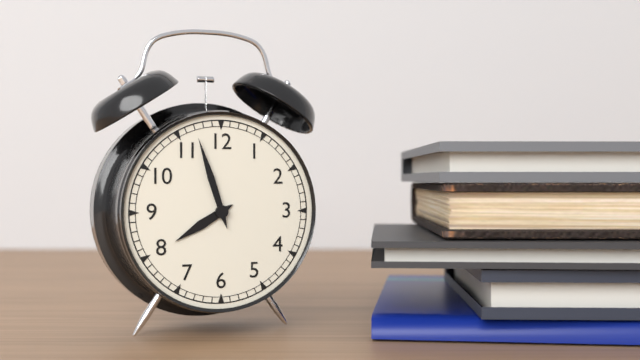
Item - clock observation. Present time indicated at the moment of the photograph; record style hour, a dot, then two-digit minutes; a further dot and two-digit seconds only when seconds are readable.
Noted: 7.57
